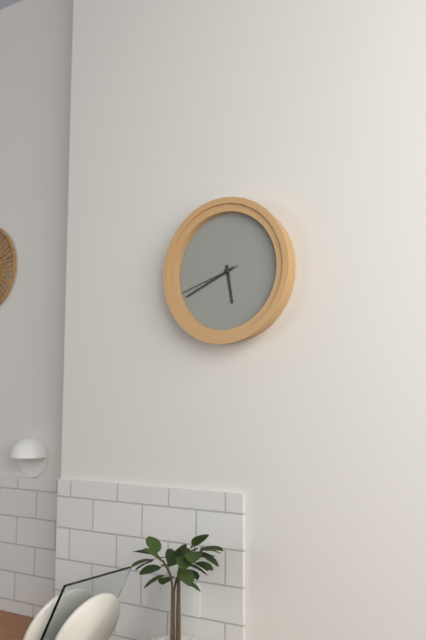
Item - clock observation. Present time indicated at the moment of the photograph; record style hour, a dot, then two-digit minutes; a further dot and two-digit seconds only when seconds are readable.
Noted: 5.41.42
